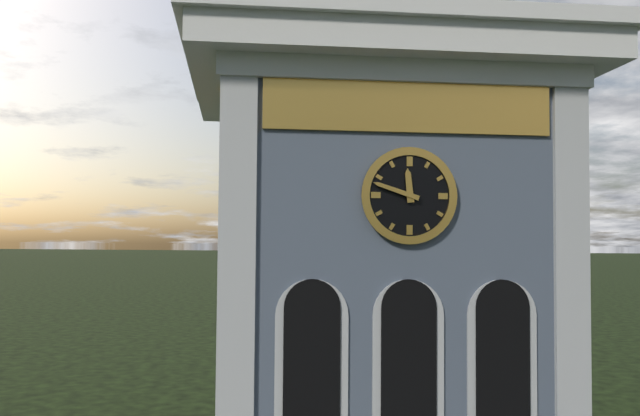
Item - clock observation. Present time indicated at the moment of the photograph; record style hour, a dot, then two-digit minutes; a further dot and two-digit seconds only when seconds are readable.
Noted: 11.48
